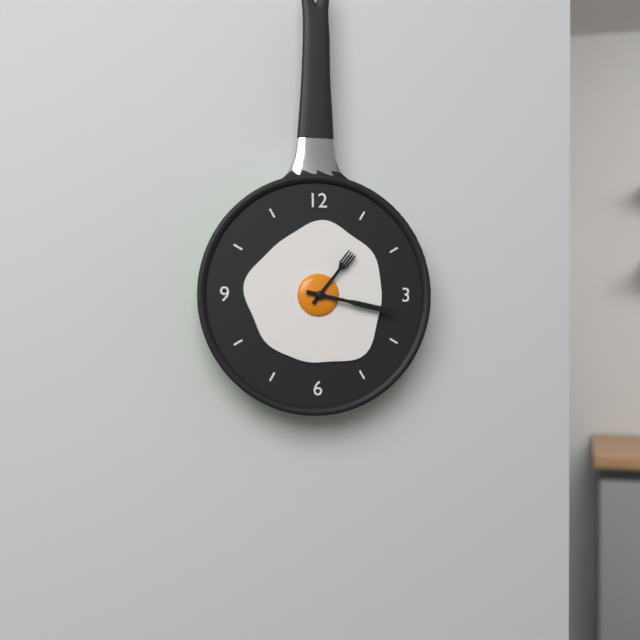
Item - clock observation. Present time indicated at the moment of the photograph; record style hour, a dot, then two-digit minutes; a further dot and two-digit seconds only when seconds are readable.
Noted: 1.17
